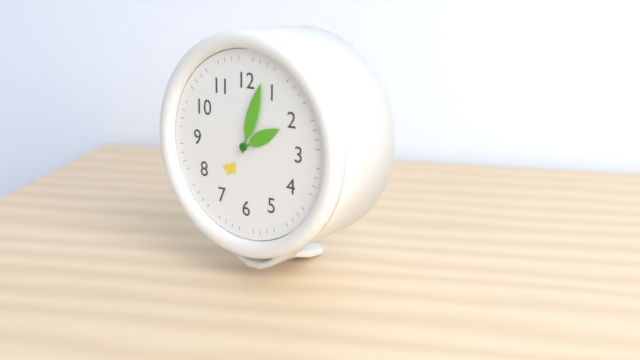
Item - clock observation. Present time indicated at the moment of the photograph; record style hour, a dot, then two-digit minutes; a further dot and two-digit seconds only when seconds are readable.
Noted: 2.03
